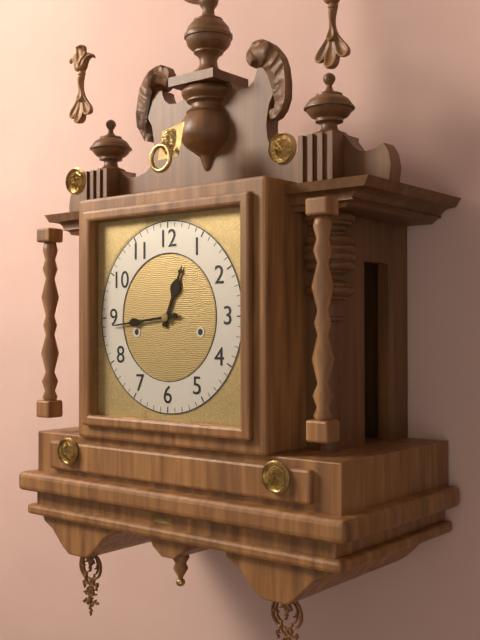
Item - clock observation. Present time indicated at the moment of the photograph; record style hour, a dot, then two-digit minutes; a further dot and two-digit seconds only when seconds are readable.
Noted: 12.44
